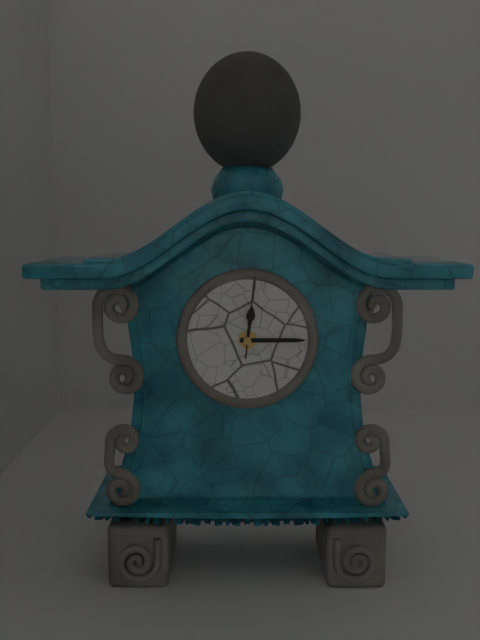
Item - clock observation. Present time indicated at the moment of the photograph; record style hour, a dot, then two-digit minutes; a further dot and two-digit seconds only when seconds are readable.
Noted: 12.15.01
